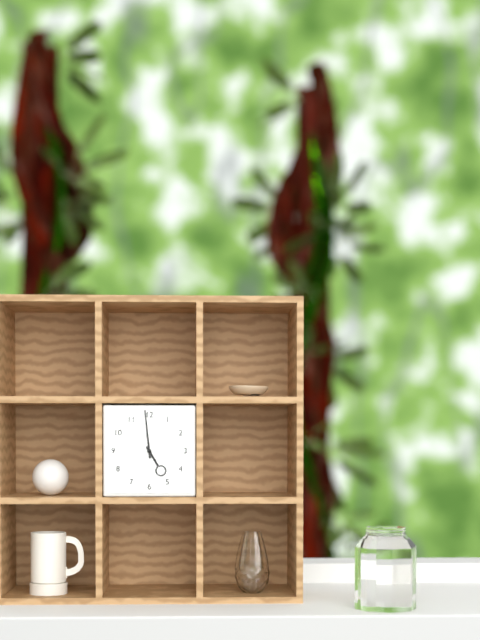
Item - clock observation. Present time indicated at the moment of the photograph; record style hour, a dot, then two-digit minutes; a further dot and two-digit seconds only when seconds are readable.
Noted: 4.59
